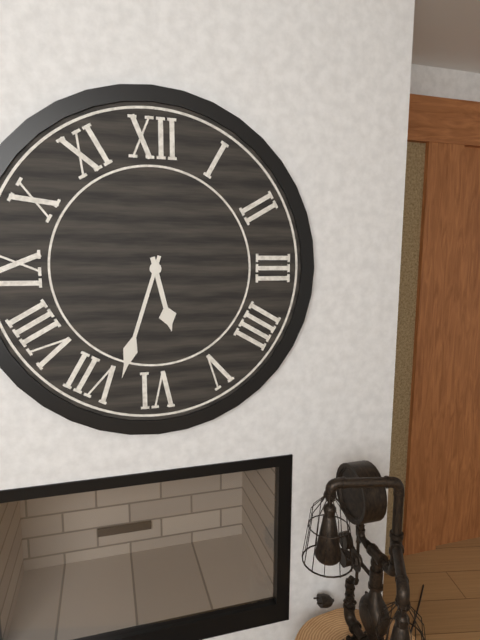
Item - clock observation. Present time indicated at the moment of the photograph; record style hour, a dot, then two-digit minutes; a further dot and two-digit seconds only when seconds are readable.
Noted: 5.33
